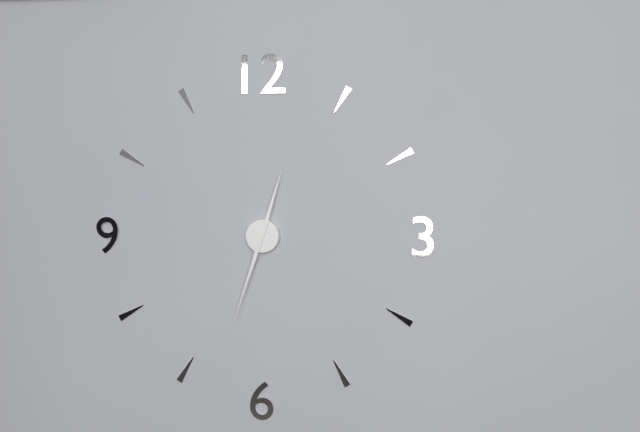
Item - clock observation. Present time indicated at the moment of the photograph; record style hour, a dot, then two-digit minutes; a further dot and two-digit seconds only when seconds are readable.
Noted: 12.33
